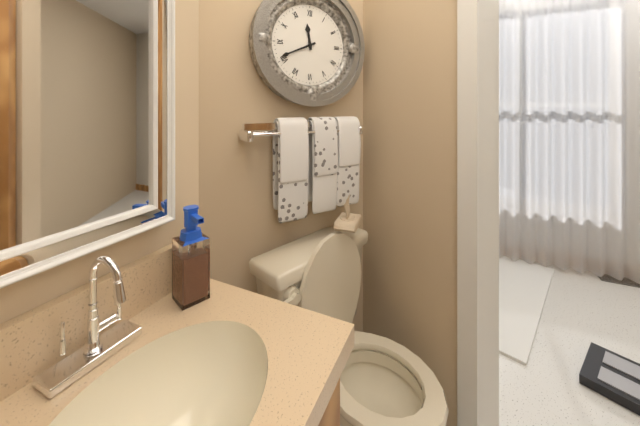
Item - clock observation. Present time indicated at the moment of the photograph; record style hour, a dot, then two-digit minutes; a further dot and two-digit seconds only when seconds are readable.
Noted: 11.41
